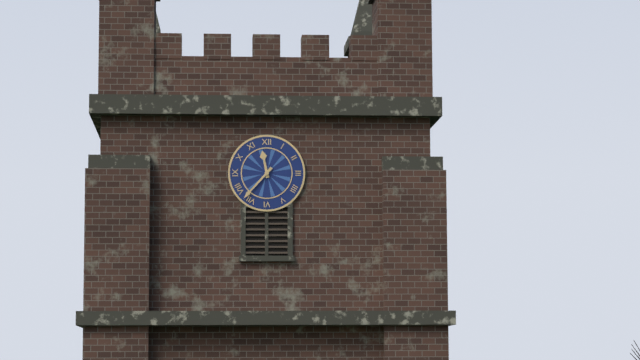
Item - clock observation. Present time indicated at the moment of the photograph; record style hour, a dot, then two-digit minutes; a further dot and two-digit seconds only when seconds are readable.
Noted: 11.37
